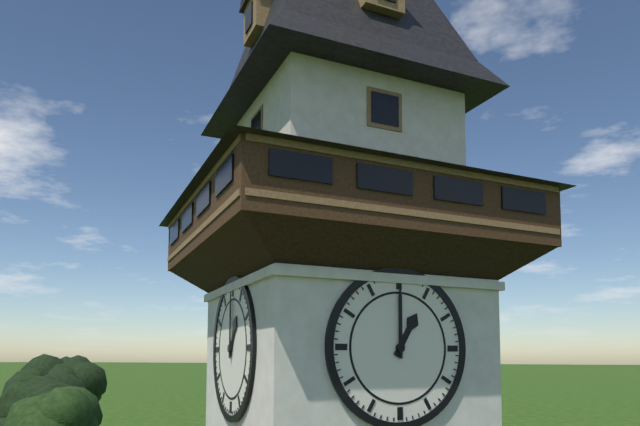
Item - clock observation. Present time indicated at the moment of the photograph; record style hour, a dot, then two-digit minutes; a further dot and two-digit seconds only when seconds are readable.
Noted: 1.00
